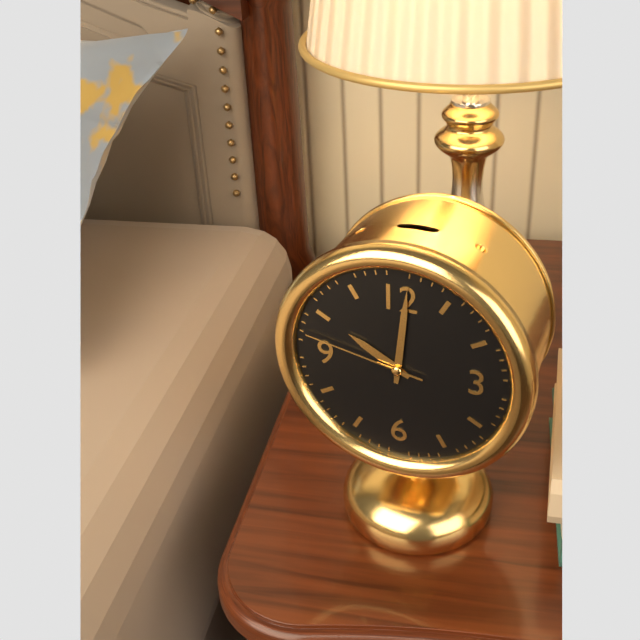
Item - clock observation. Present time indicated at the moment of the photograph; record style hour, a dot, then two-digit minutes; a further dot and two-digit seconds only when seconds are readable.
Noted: 10.01.47
